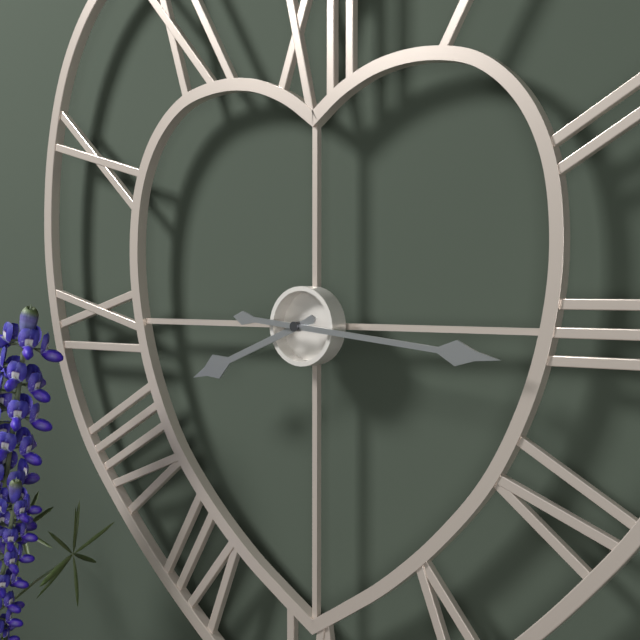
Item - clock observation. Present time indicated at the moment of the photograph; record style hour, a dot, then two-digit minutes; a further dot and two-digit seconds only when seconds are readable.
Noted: 8.16
